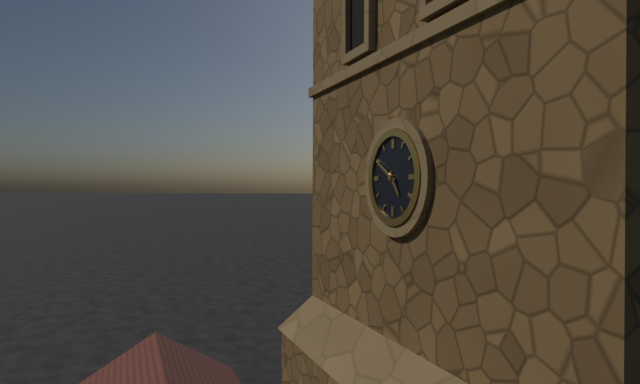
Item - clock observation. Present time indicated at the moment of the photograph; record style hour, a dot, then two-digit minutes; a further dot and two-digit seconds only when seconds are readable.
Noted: 4.50
